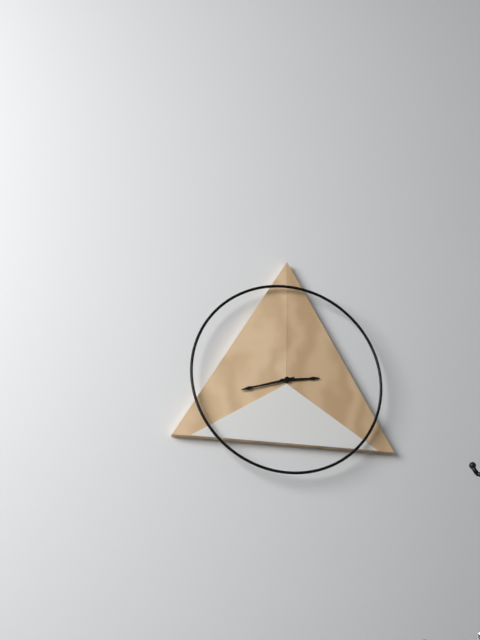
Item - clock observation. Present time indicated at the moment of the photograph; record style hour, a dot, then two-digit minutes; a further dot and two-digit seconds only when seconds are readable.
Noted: 2.42
